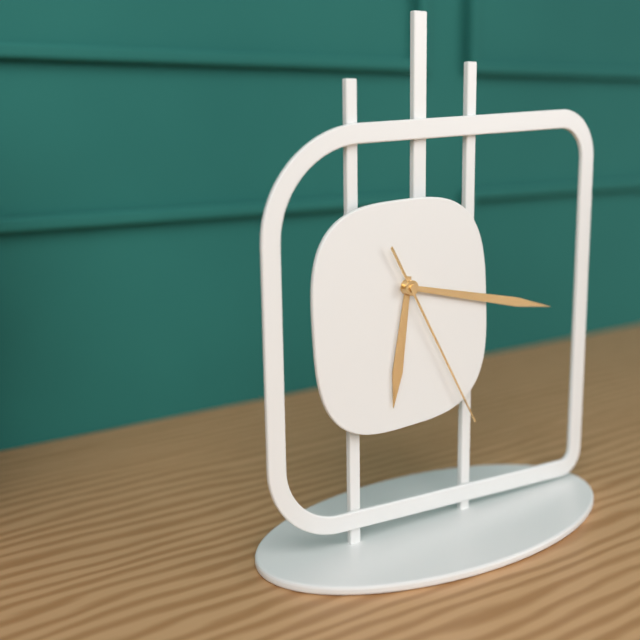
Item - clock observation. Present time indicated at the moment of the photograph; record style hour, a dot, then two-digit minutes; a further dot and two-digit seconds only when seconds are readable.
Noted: 6.17.25
